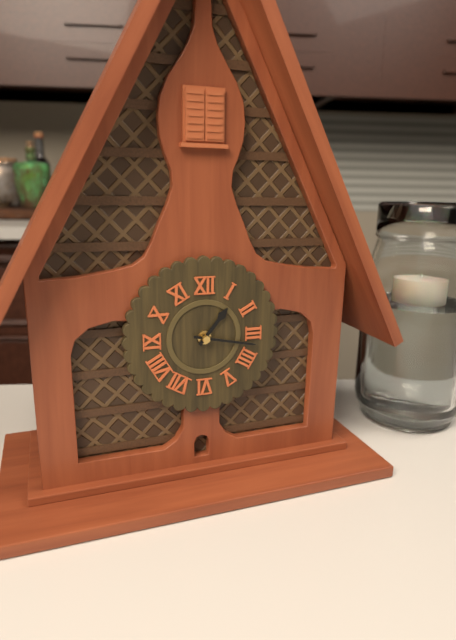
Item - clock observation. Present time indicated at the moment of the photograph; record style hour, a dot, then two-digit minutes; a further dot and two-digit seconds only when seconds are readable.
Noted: 1.17
